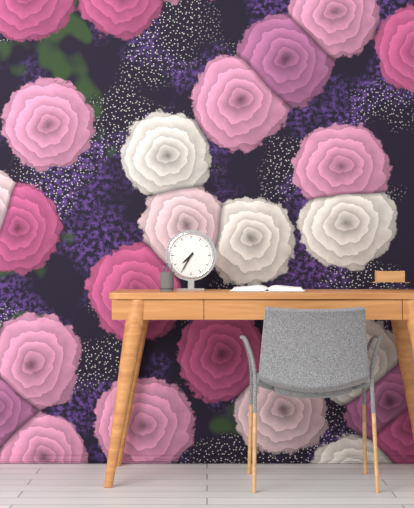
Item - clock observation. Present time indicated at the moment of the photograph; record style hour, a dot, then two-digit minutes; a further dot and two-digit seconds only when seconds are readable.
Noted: 7.35
